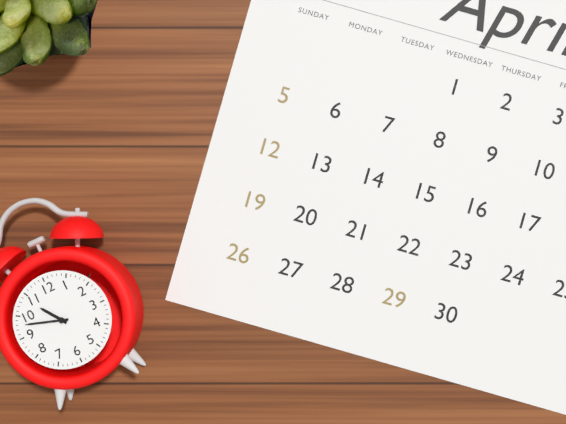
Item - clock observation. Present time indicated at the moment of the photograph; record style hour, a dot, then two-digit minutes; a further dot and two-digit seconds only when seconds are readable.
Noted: 10.48
